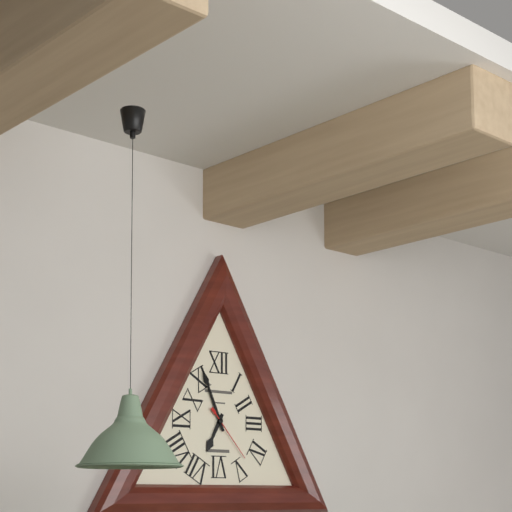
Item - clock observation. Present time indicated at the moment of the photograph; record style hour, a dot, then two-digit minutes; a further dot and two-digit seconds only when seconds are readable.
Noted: 6.56.23
